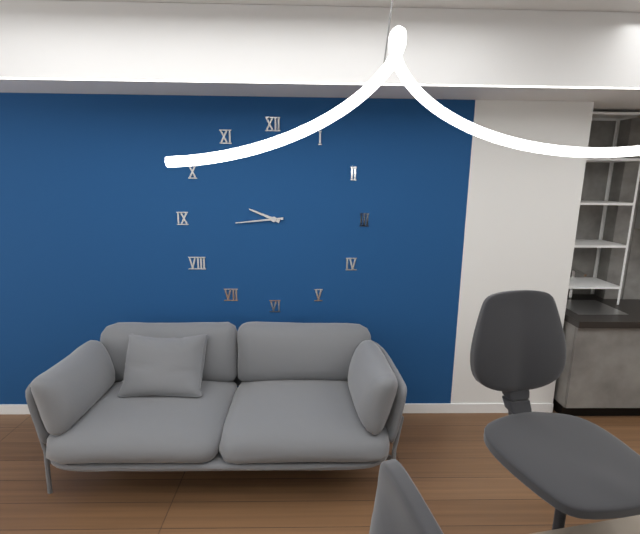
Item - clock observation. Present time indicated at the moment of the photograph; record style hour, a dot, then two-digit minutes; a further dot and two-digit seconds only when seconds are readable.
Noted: 9.44
